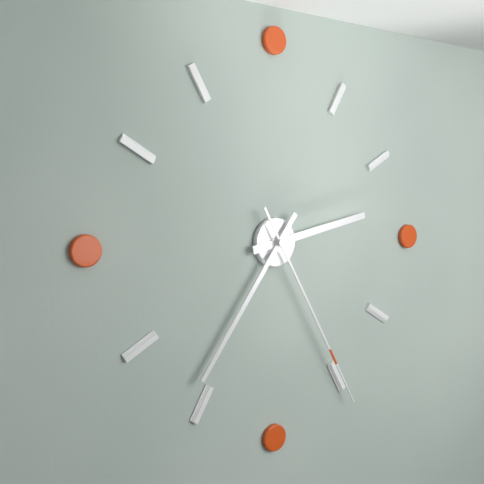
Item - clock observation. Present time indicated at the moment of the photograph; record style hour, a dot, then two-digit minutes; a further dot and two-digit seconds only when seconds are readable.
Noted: 2.36.25
